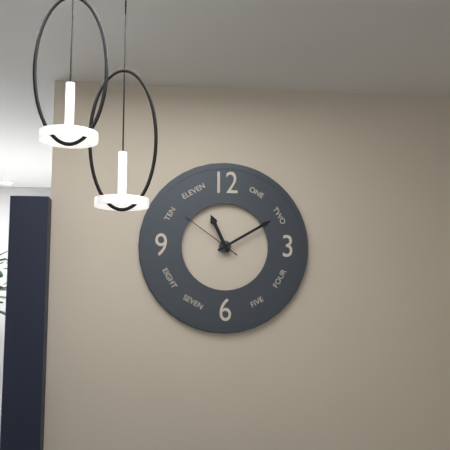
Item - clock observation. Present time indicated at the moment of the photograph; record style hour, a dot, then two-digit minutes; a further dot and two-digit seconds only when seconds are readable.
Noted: 11.10.51
